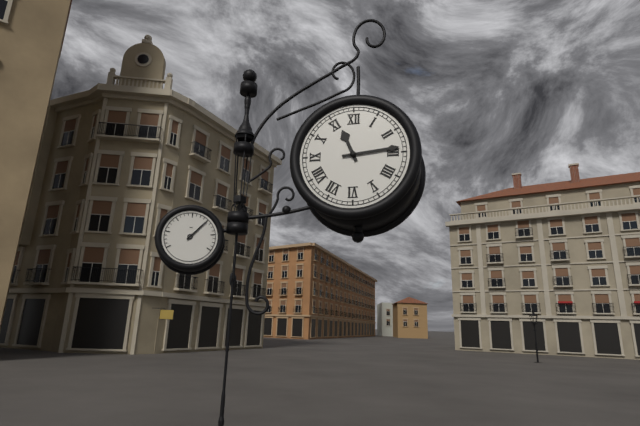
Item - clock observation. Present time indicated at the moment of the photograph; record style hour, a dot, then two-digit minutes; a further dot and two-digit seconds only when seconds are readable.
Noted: 11.14
